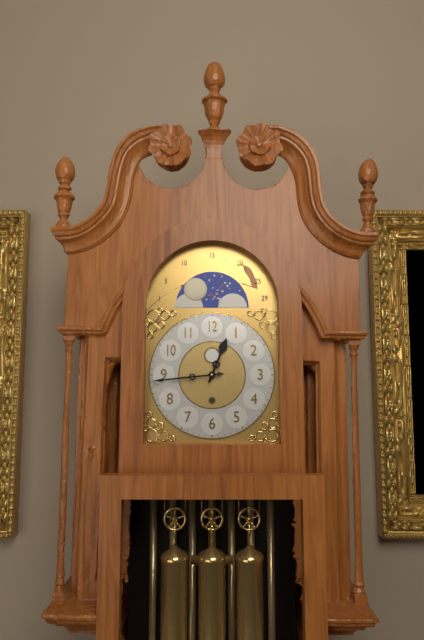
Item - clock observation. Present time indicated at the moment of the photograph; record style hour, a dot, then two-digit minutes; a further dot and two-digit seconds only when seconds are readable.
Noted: 12.44
